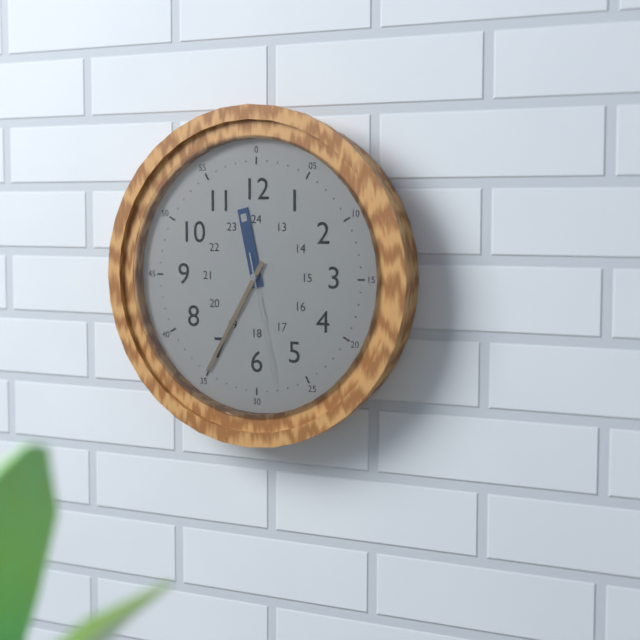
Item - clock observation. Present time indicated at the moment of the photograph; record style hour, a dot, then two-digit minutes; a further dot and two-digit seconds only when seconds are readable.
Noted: 11.35.28
